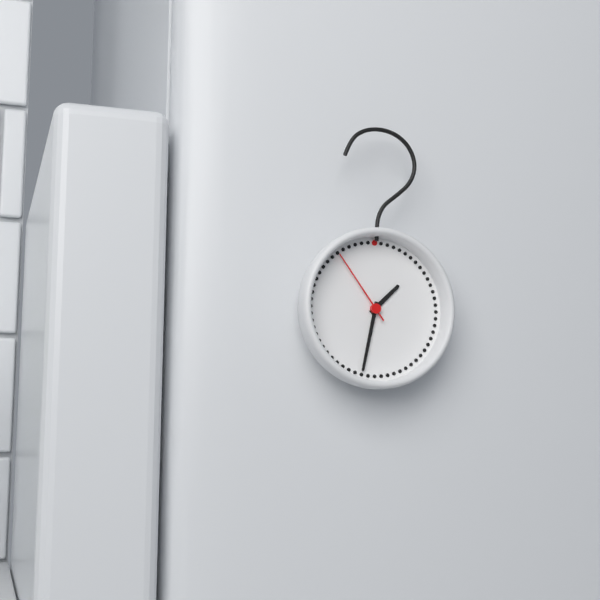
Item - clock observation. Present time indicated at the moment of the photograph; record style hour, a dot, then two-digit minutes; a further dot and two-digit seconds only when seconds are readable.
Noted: 1.32.54
